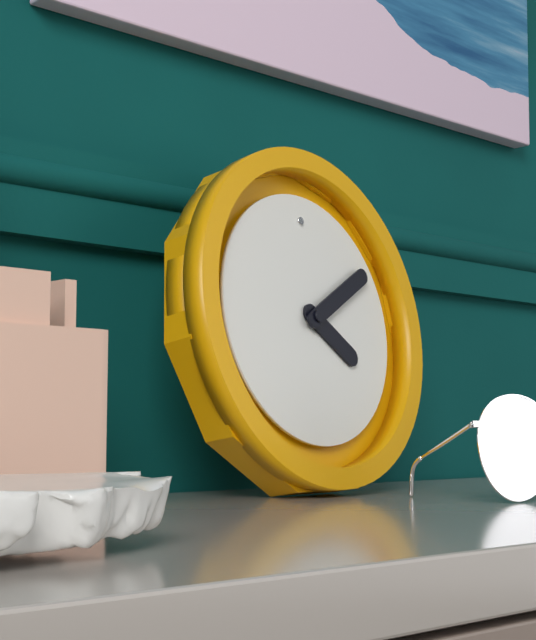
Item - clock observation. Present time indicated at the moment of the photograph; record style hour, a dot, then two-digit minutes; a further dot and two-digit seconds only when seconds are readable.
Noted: 4.10
